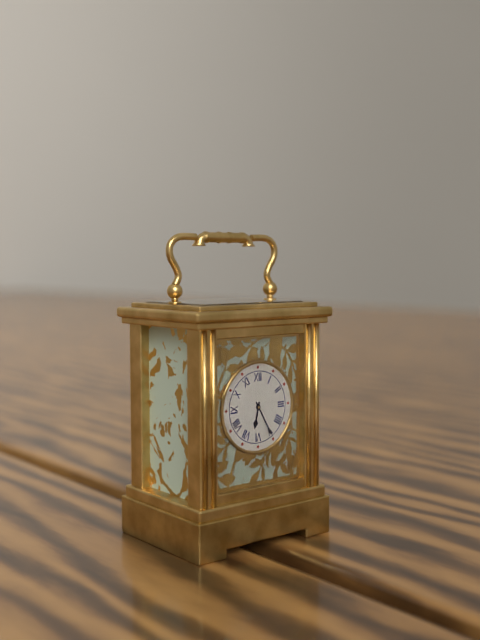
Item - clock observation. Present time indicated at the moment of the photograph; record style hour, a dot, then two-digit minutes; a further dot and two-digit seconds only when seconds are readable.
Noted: 6.25
